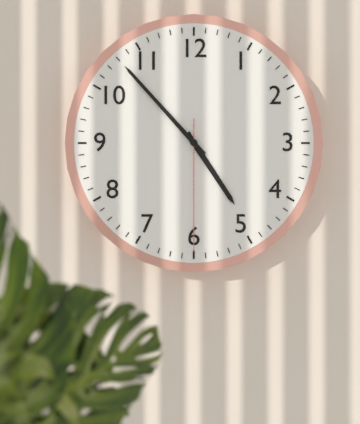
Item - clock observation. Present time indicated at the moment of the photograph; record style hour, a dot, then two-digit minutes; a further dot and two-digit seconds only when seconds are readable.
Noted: 4.53.30
